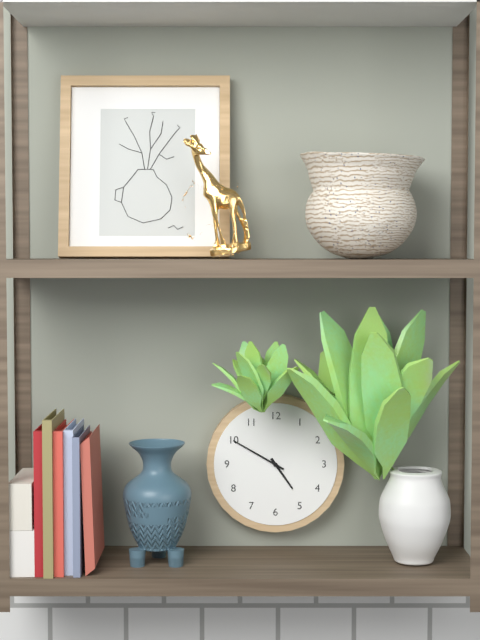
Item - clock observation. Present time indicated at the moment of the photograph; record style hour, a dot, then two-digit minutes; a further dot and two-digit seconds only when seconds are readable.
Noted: 4.50
